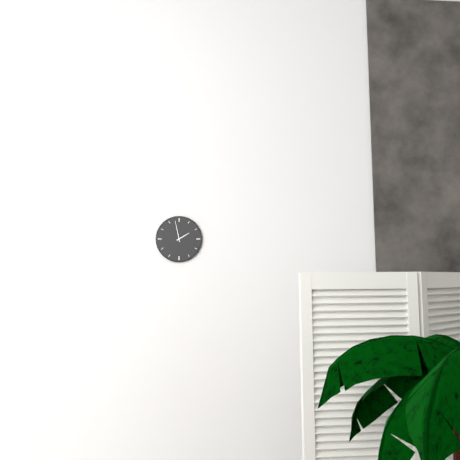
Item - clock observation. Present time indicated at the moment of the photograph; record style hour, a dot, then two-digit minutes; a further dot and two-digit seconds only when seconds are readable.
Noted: 1.58
